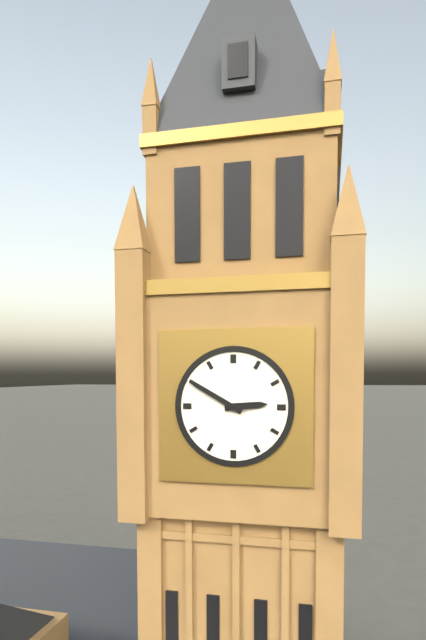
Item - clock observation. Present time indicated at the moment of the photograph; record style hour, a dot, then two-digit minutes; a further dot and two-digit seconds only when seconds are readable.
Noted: 2.50
